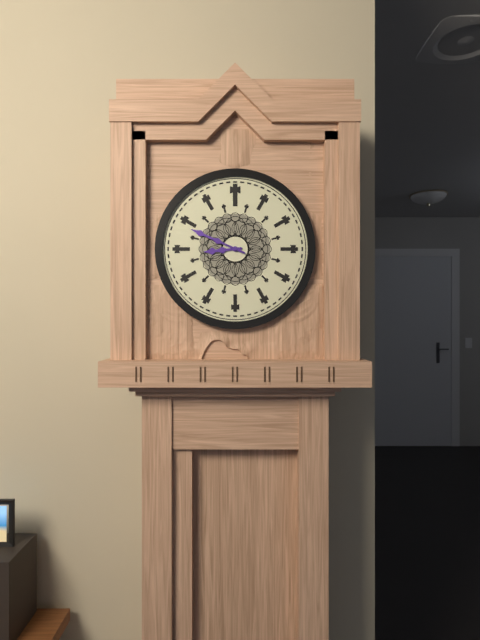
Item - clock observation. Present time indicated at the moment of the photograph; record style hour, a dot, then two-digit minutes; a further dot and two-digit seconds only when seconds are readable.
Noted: 8.49
